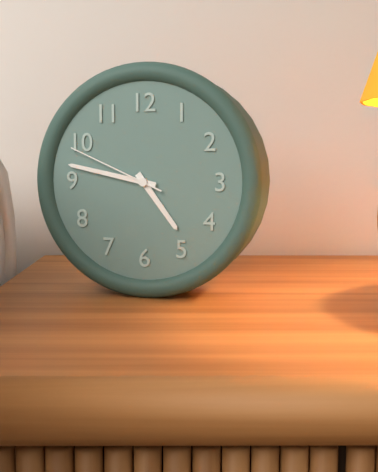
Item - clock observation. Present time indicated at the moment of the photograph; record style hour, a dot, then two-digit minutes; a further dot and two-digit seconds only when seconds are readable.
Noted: 4.47.49
